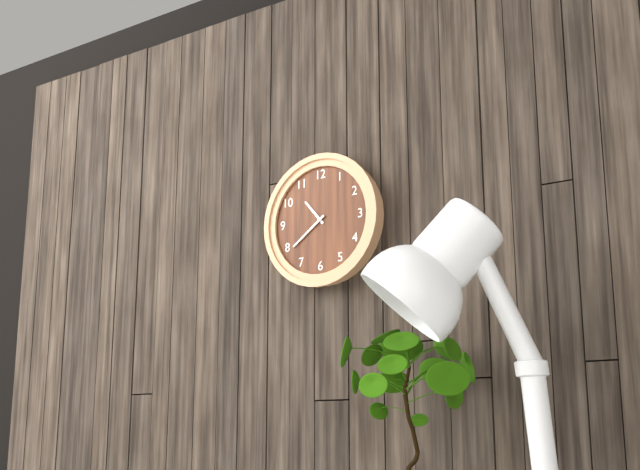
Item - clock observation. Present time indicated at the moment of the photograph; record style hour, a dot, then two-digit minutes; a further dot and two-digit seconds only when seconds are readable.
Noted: 10.39
